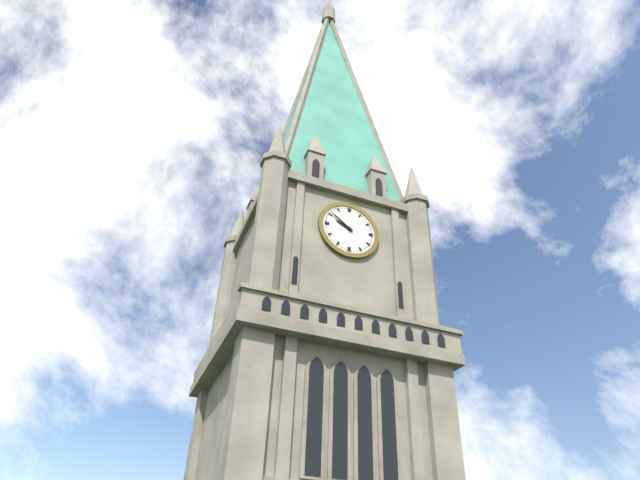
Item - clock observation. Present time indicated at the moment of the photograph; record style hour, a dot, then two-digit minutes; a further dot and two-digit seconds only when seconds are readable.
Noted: 9.51
